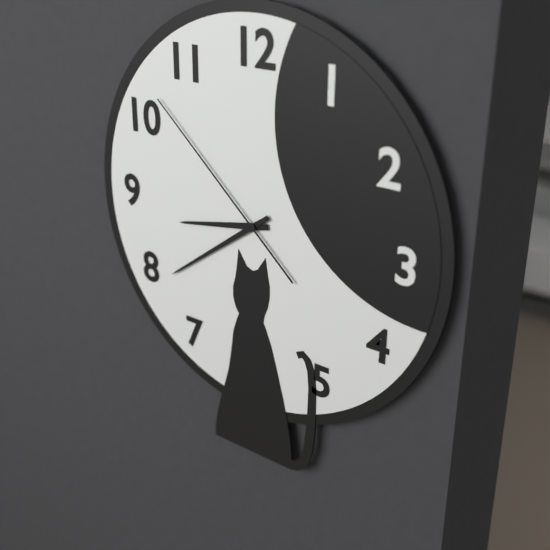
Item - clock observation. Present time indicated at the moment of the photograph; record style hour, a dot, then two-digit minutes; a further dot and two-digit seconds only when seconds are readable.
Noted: 8.39.52
